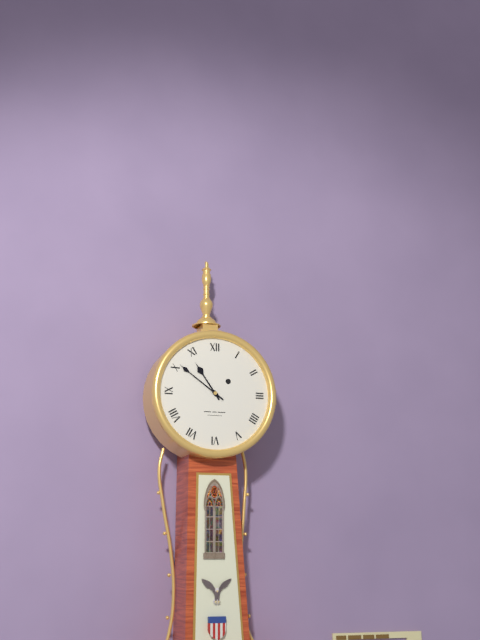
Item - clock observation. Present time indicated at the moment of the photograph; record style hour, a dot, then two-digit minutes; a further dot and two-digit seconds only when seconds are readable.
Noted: 10.51
